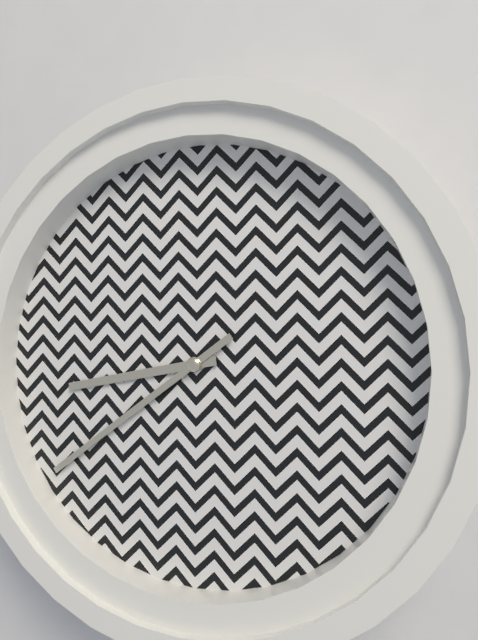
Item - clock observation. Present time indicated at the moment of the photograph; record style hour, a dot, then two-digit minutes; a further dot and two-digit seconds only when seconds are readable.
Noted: 8.39
